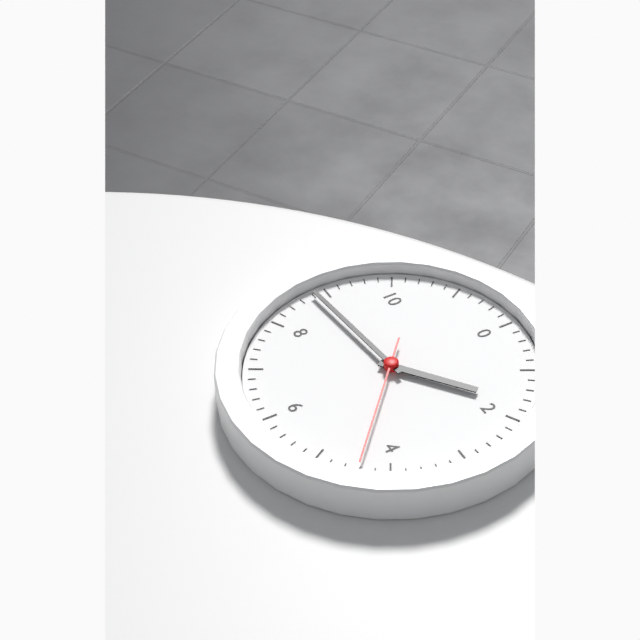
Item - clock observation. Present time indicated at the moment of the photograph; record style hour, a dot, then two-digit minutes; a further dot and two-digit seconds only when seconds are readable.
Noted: 1.44.22
